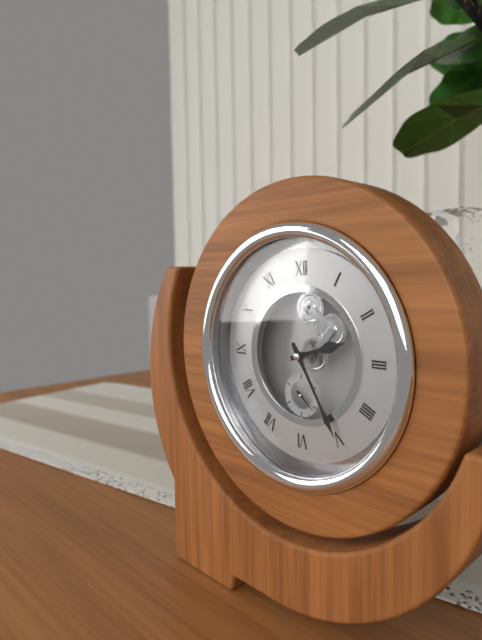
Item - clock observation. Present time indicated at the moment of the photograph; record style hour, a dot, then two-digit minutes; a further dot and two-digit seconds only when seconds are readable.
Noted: 2.25
